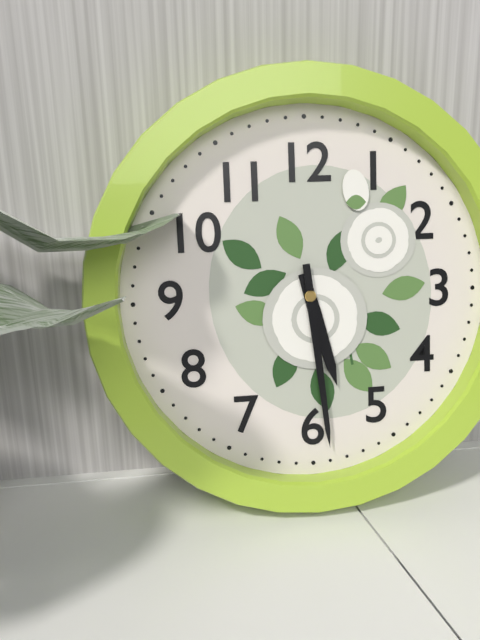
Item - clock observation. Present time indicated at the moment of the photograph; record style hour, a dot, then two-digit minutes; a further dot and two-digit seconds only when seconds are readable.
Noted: 5.29
